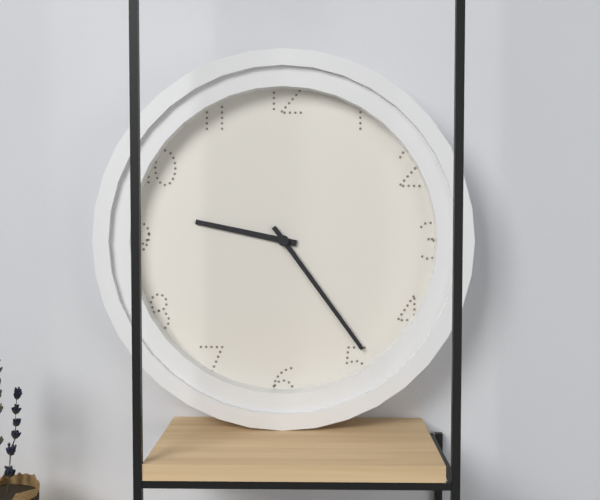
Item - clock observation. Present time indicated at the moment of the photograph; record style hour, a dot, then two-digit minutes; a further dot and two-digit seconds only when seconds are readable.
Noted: 9.24
